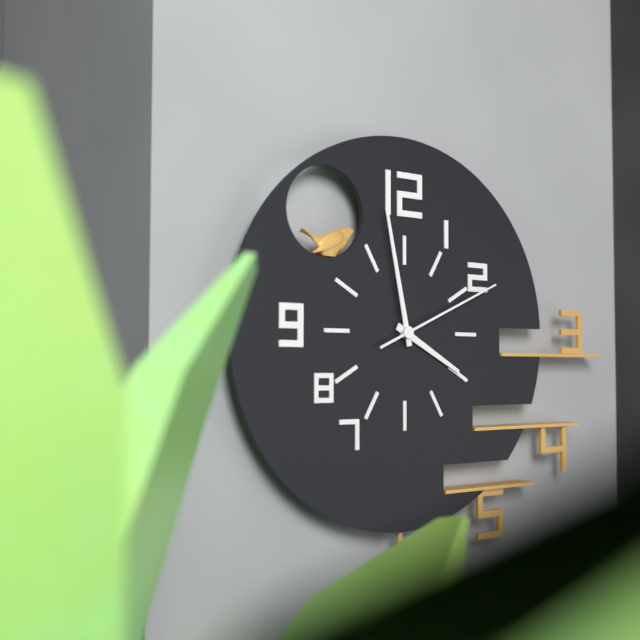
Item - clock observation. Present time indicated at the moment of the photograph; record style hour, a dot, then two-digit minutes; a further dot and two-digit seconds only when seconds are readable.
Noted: 3.58.11
